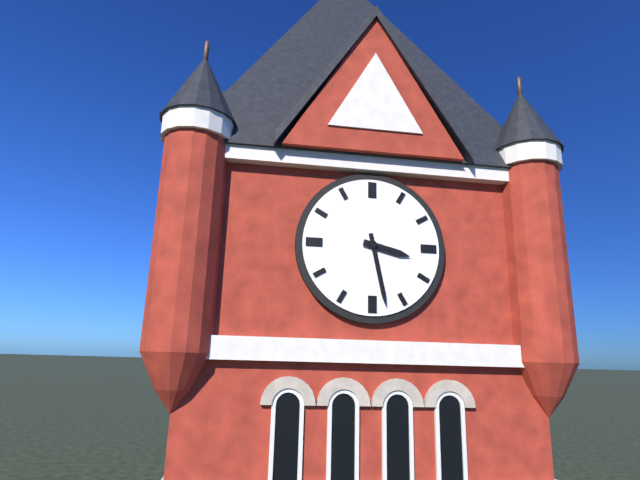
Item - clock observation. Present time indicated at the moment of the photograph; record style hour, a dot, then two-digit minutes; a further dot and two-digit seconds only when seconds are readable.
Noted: 3.28
